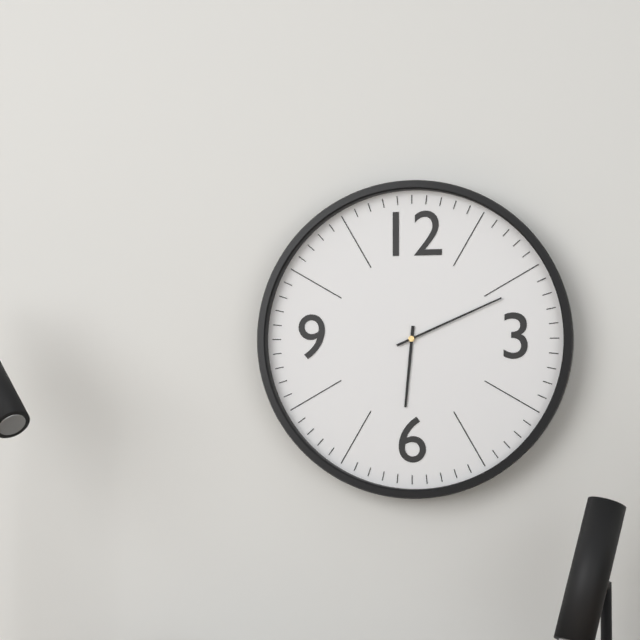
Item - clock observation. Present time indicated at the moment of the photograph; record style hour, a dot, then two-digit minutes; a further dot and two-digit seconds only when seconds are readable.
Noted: 6.11
